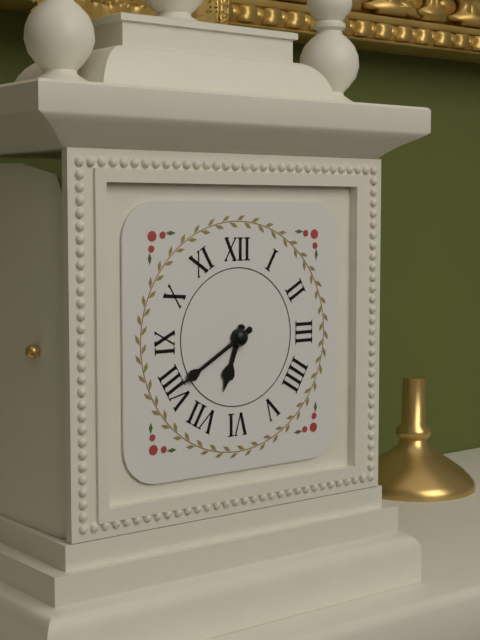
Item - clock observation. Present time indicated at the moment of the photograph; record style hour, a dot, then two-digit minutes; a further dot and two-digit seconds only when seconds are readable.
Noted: 6.40
